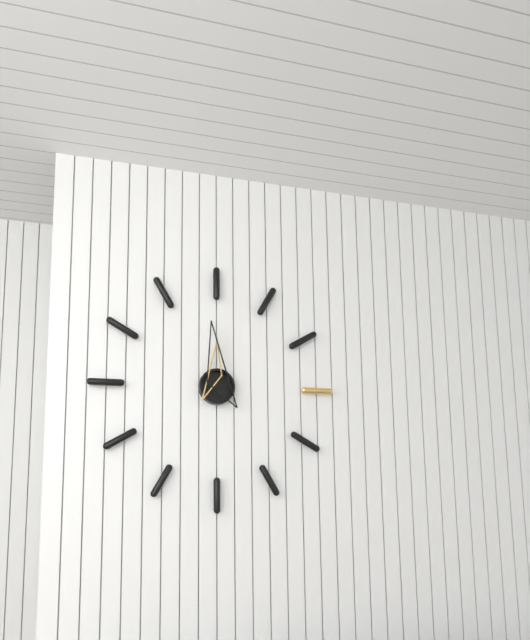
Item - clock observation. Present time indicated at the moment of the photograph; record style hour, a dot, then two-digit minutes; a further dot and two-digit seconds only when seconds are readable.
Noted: 11.59
